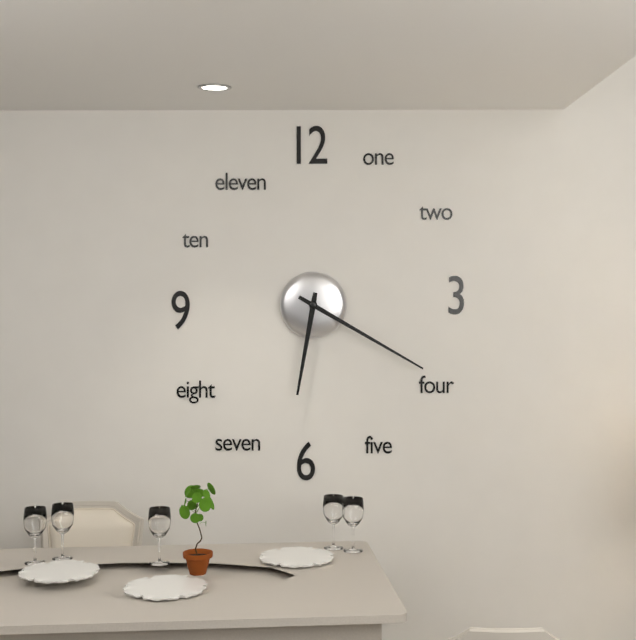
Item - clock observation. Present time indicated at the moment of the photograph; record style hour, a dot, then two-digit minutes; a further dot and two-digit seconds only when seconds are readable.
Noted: 6.20
